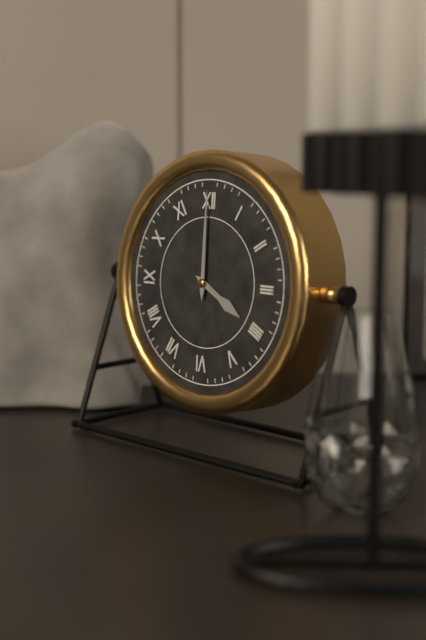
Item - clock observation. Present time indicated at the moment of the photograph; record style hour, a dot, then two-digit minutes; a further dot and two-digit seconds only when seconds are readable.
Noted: 4.00
